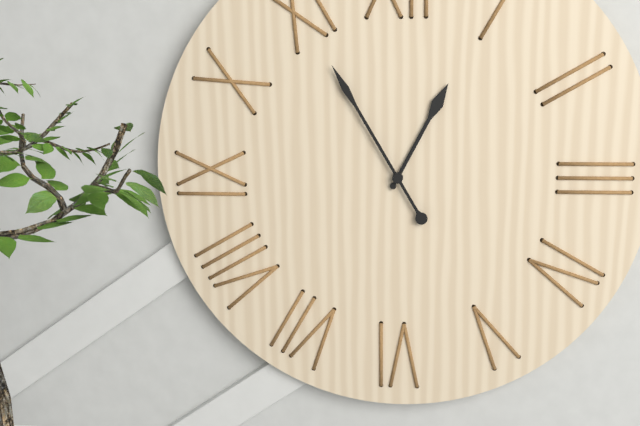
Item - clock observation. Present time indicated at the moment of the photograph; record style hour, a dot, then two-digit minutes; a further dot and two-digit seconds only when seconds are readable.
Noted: 12.55
